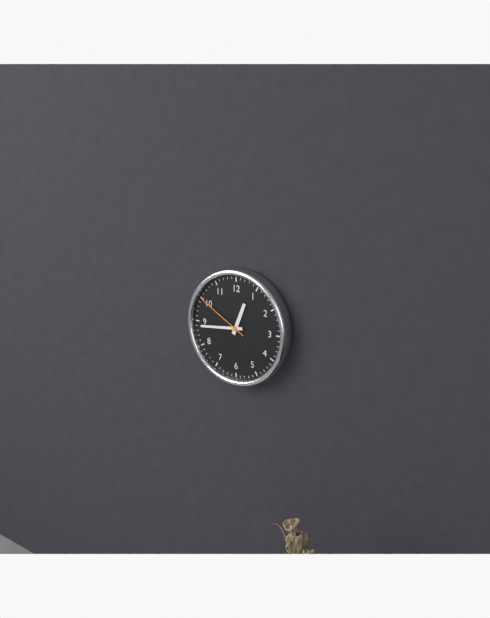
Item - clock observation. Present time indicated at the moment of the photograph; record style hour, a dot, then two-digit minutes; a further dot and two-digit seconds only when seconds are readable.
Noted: 12.44.50
